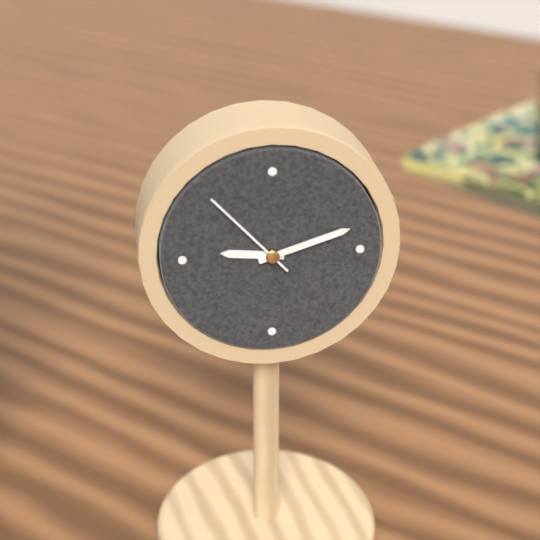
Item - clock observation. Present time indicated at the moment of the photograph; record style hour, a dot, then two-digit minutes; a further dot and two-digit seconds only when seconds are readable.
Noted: 9.12.53
